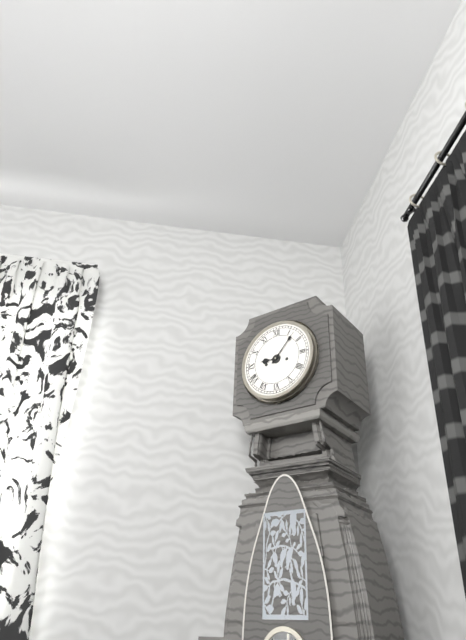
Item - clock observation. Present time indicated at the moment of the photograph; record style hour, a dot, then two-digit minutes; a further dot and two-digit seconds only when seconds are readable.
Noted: 9.07
